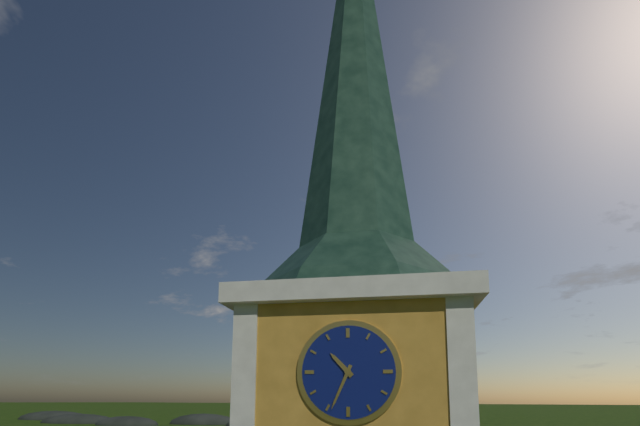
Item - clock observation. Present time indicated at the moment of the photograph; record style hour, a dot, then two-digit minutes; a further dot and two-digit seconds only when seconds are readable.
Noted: 10.34
